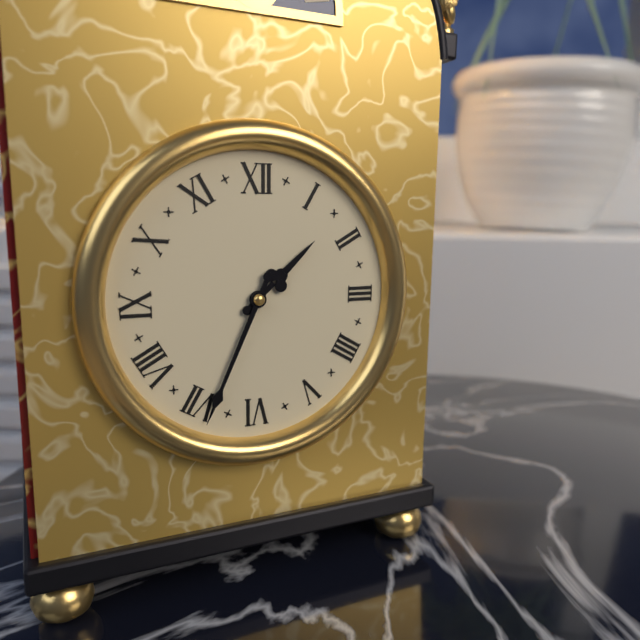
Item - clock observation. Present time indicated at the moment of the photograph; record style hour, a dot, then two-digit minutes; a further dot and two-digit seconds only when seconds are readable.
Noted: 1.34
